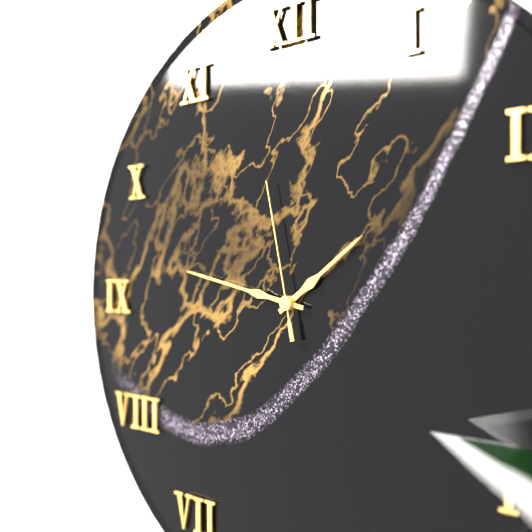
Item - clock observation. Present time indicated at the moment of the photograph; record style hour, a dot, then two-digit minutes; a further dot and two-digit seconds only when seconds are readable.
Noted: 1.47.58
